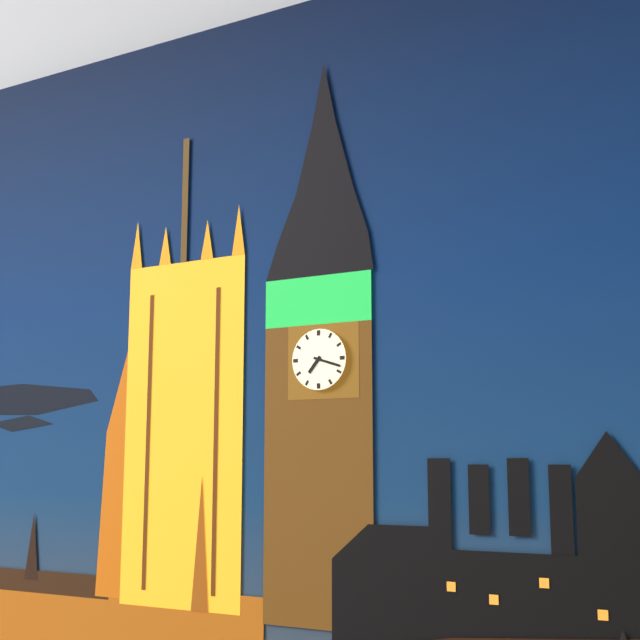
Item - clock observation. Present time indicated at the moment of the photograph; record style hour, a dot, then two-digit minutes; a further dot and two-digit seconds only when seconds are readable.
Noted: 7.18
